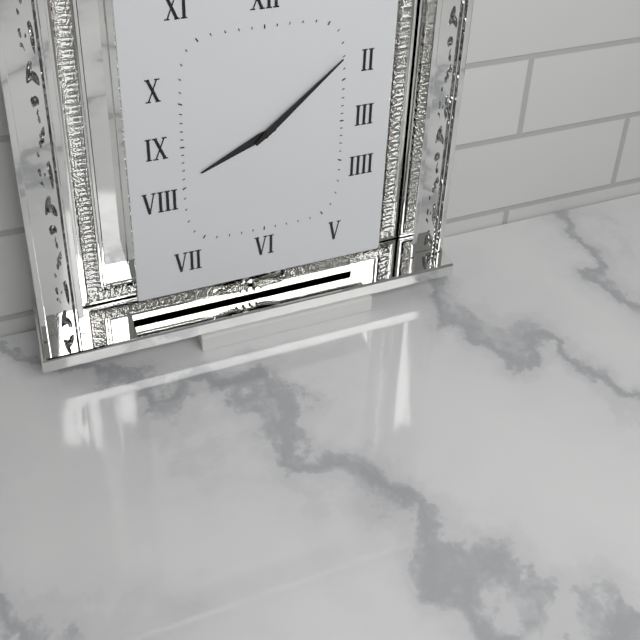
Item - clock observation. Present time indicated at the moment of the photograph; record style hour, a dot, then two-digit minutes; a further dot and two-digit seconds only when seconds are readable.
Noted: 8.08
